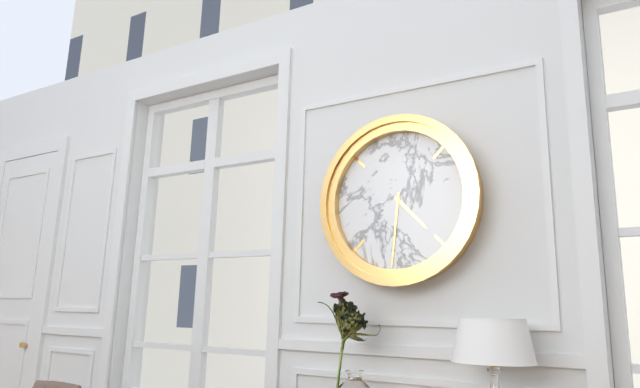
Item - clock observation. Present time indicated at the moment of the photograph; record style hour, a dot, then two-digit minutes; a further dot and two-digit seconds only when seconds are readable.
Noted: 4.31
